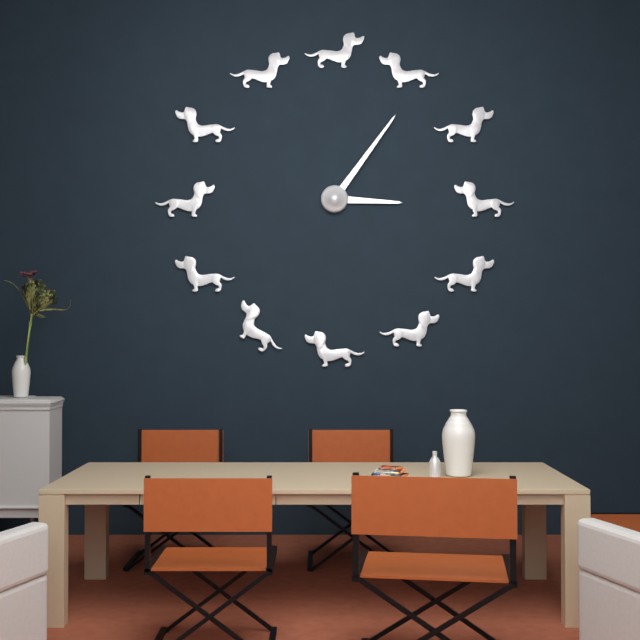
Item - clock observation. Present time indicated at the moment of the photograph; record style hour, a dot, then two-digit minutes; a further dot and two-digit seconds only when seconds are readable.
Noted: 3.06
